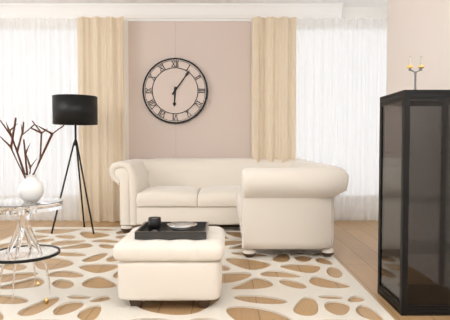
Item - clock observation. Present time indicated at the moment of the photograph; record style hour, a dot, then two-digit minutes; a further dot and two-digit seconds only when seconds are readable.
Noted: 6.06
